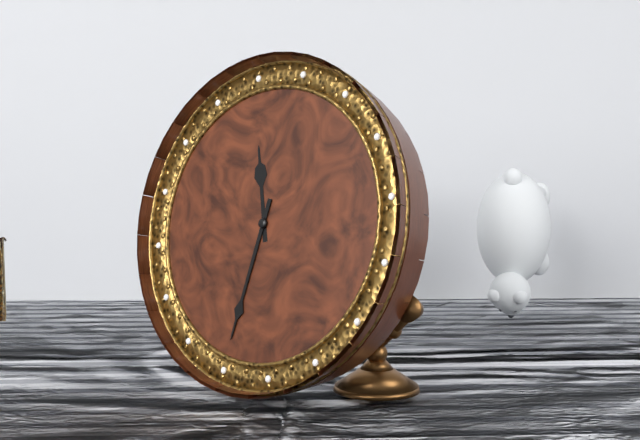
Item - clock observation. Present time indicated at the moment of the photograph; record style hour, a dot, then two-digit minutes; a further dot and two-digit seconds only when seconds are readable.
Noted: 11.32
